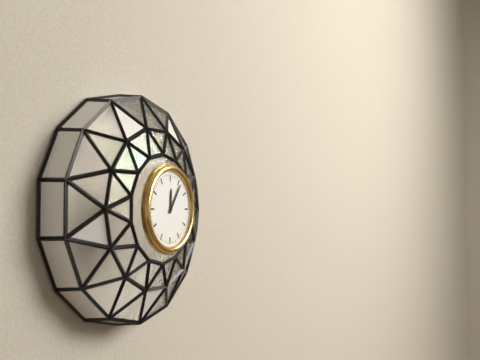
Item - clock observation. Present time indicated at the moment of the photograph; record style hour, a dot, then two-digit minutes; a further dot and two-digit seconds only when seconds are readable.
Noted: 12.06
